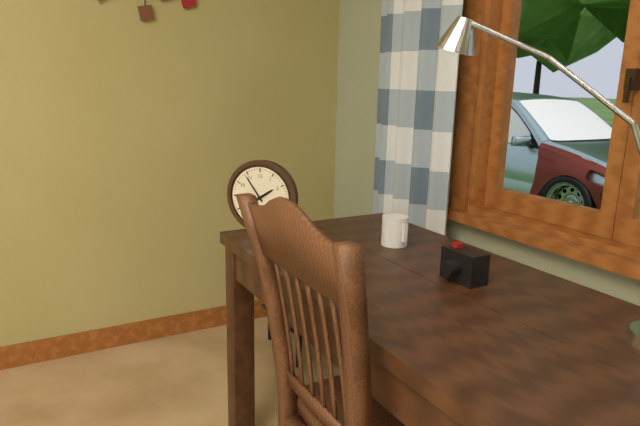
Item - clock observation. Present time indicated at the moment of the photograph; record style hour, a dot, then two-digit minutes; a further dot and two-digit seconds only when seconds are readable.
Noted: 1.54
